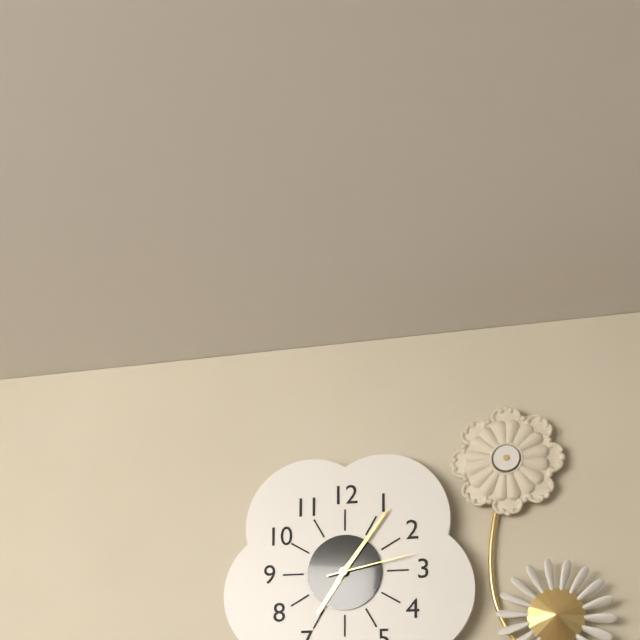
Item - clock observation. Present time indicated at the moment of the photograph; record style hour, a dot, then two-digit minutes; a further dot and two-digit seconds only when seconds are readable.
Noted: 7.06.13
